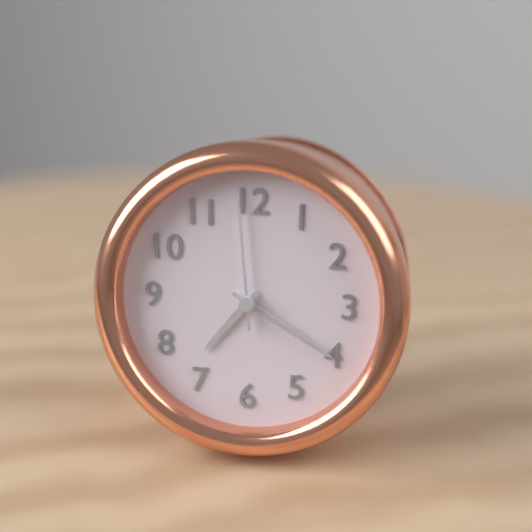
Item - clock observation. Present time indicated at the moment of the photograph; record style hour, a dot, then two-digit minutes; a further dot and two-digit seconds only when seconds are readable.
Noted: 7.20.59
